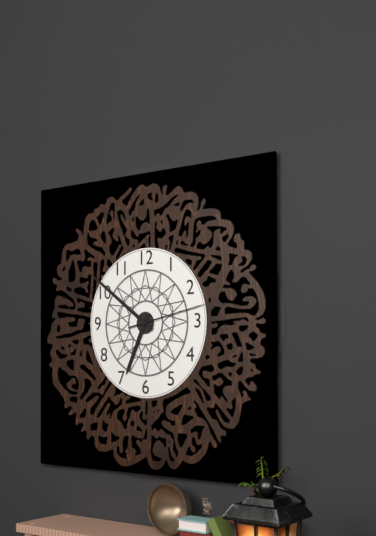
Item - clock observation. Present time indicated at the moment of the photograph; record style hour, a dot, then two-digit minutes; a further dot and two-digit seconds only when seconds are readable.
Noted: 6.51.13
